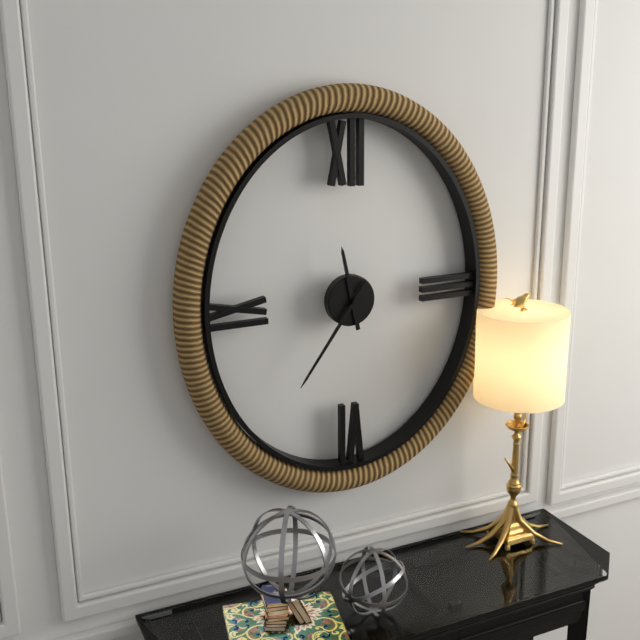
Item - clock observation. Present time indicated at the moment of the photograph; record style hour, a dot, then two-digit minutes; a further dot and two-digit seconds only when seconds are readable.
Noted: 11.36
